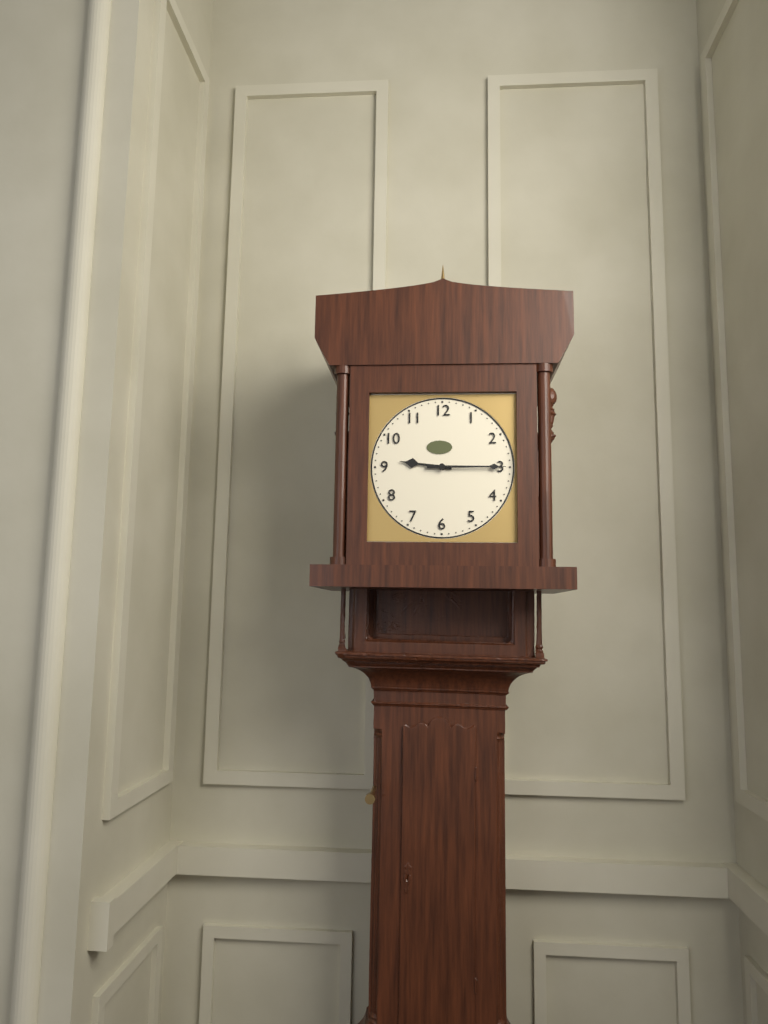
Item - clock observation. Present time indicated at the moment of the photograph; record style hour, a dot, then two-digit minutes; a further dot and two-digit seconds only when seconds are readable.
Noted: 9.15
